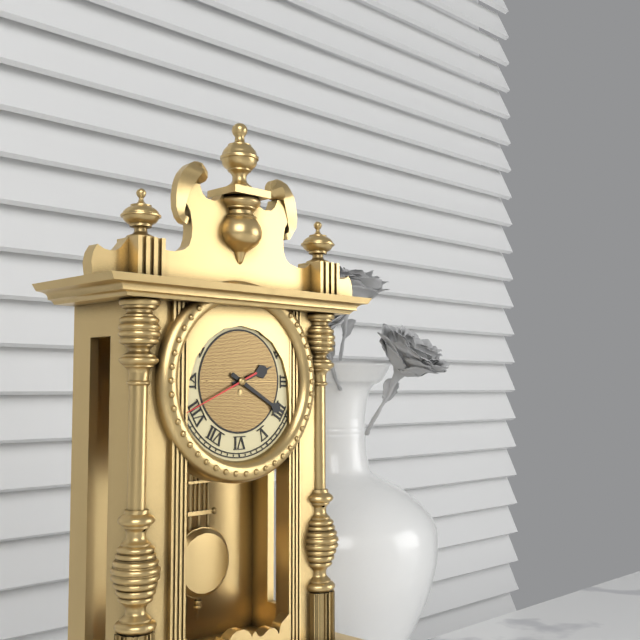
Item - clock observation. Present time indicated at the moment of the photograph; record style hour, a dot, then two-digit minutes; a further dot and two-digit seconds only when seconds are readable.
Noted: 2.20.41
